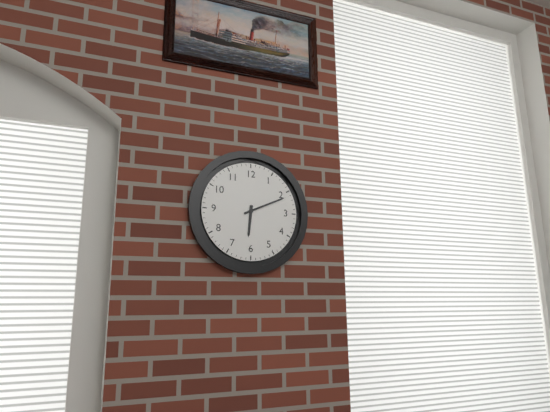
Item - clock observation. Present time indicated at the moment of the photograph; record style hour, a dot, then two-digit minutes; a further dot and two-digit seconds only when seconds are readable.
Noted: 6.11
